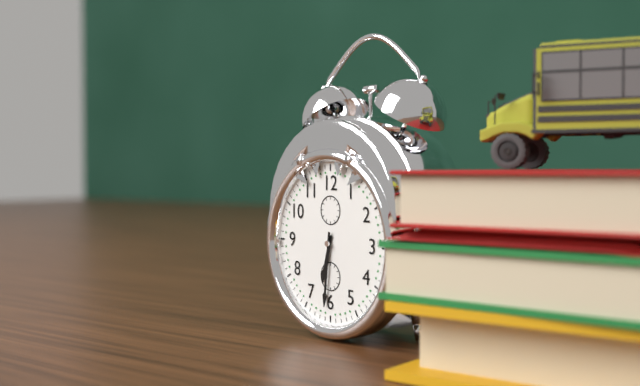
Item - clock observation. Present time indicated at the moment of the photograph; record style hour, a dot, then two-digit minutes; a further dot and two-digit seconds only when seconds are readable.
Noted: 6.31
